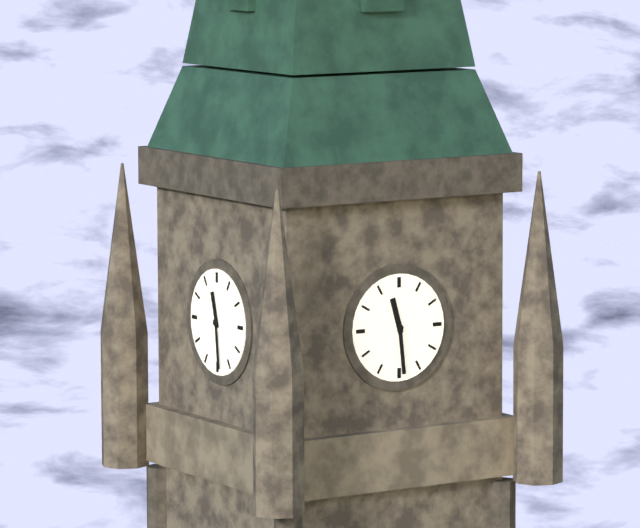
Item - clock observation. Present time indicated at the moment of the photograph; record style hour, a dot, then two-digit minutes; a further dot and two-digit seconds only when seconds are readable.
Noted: 11.29
